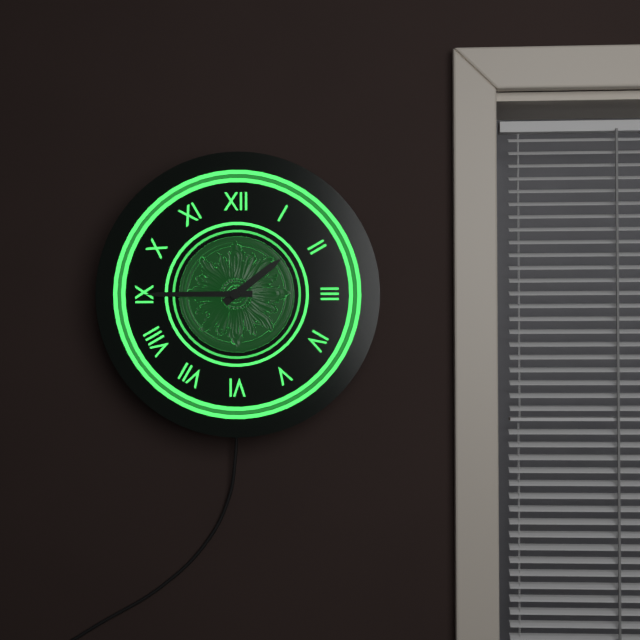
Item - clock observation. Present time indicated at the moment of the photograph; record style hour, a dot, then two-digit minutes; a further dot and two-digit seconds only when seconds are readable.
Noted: 1.45
